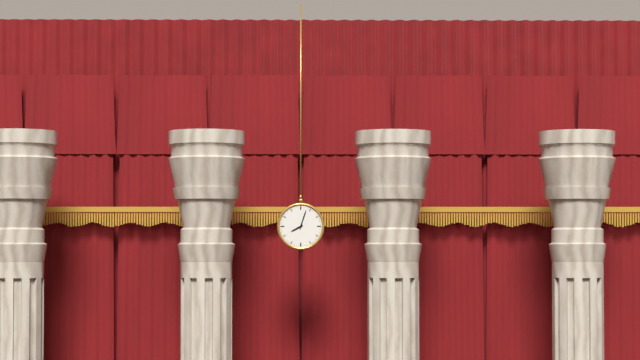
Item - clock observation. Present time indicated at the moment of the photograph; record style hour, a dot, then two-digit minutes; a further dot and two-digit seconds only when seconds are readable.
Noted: 8.03
